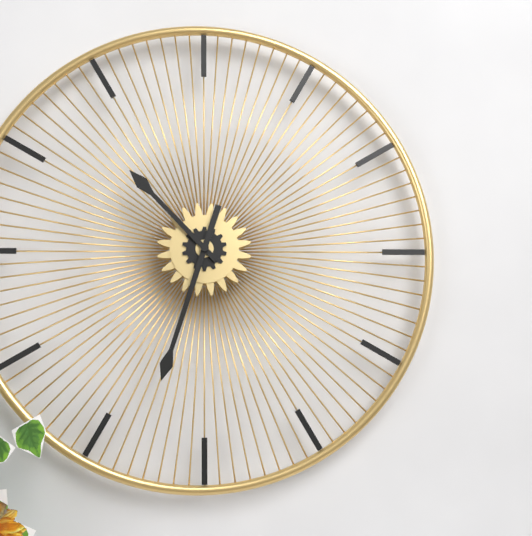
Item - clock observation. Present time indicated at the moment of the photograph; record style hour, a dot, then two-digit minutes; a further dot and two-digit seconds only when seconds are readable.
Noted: 10.33
